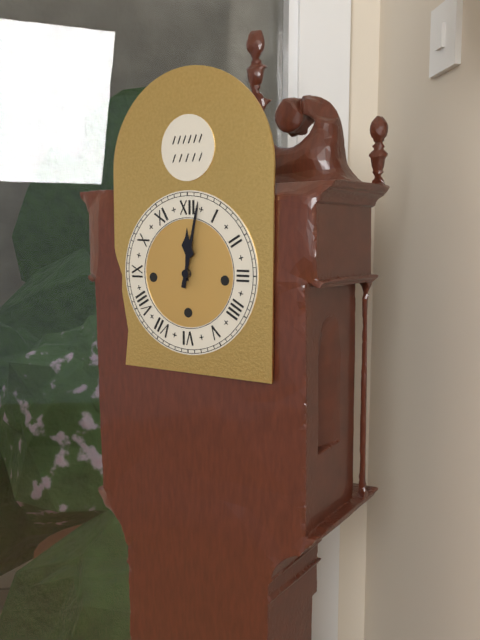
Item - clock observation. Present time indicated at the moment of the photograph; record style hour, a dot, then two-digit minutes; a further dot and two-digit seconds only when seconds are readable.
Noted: 12.02
